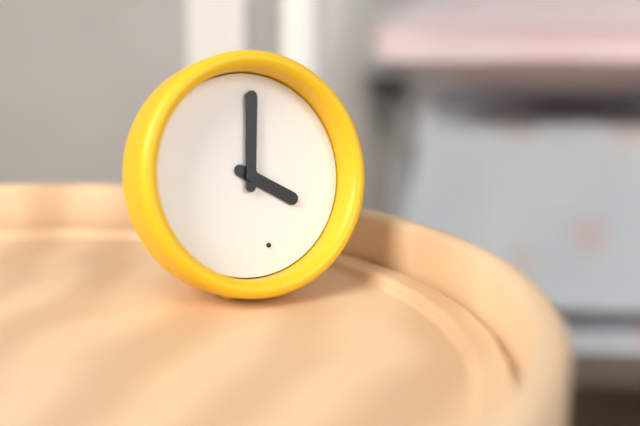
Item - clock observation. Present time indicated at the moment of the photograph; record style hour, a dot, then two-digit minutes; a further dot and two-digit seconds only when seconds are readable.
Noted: 4.01
